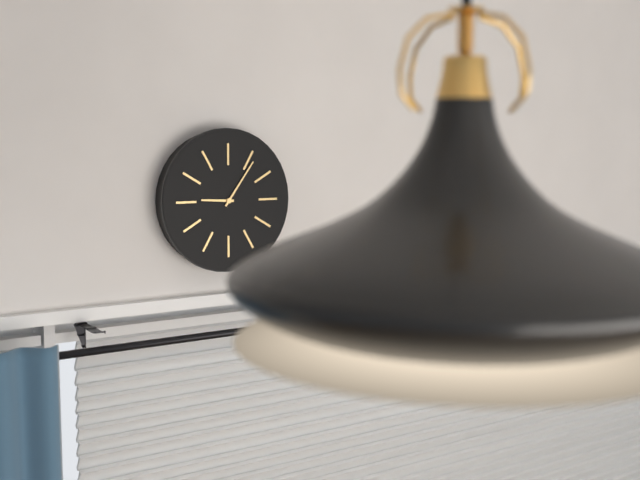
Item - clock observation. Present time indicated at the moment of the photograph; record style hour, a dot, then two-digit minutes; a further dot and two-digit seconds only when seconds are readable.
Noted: 9.06
